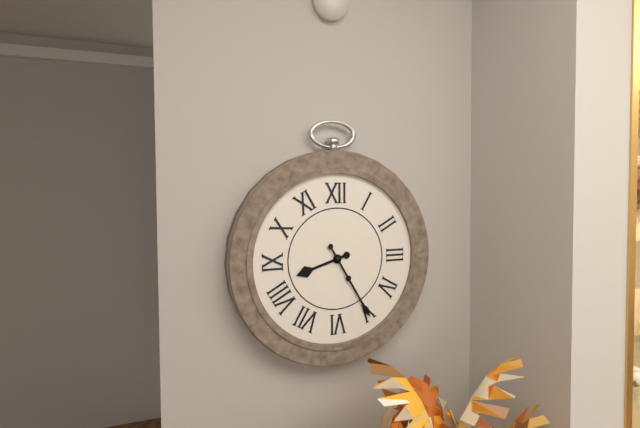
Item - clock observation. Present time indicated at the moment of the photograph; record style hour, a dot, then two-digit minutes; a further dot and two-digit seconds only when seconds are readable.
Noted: 8.25
